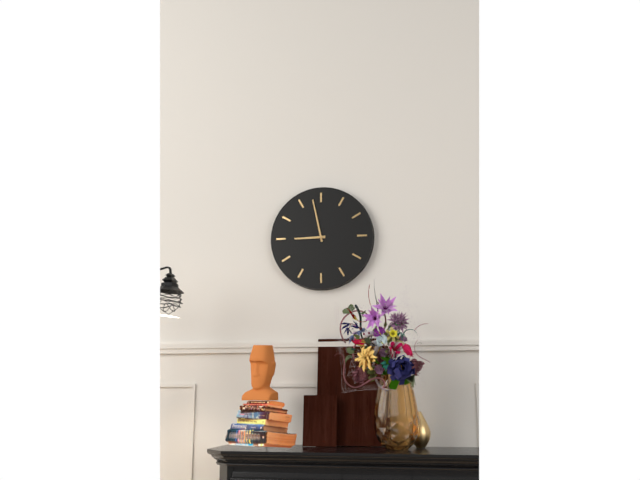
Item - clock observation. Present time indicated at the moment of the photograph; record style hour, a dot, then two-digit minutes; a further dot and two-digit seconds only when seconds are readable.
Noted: 8.58
